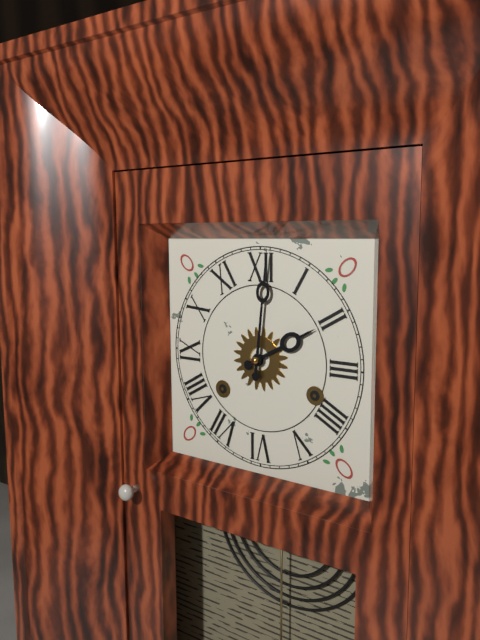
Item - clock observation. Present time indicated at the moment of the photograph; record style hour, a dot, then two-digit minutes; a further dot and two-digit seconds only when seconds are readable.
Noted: 2.01
